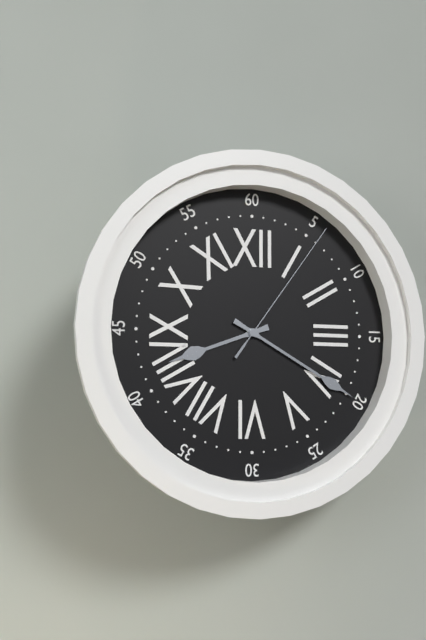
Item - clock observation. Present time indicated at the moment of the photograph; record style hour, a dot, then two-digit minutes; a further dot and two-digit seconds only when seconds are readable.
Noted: 8.20.06
